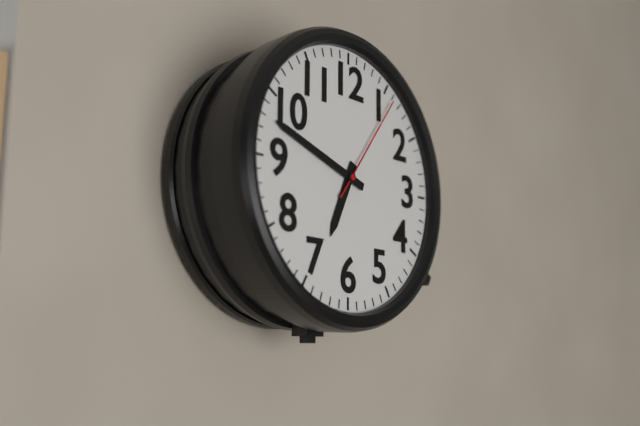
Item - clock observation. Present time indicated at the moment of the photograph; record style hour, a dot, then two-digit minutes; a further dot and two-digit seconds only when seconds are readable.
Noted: 6.48.06
